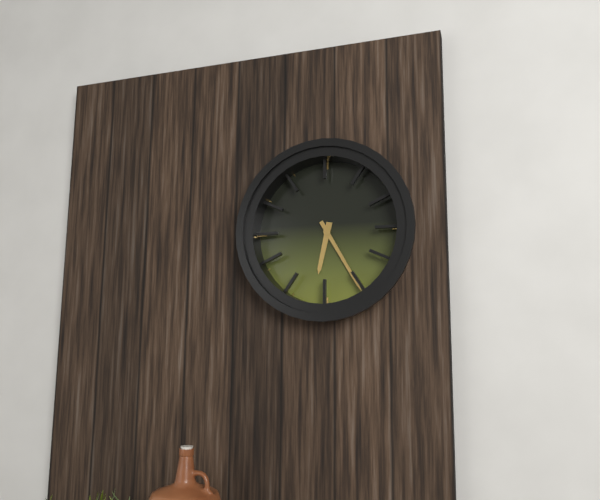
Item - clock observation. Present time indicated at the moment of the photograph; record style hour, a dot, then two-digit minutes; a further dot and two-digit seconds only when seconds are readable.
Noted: 6.25
